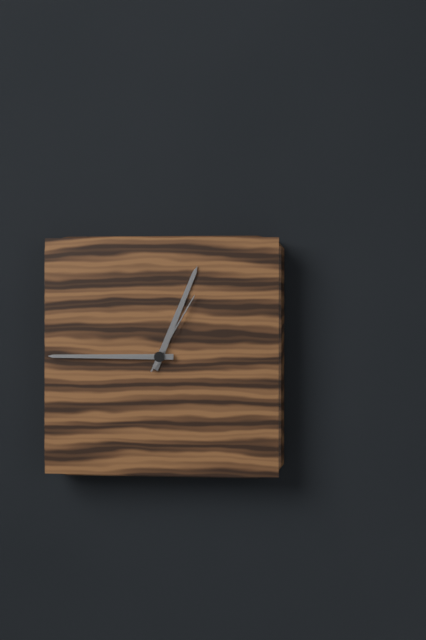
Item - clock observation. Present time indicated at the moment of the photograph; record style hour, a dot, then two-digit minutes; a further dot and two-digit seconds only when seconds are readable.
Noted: 12.45.05
